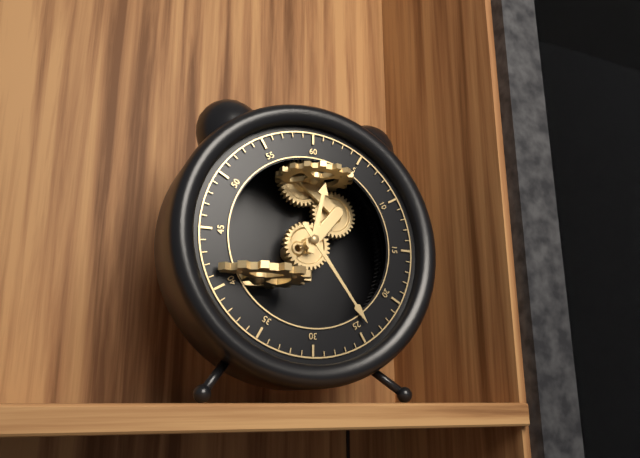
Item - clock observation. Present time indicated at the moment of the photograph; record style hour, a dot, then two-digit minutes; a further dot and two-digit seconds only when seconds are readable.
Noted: 12.24
